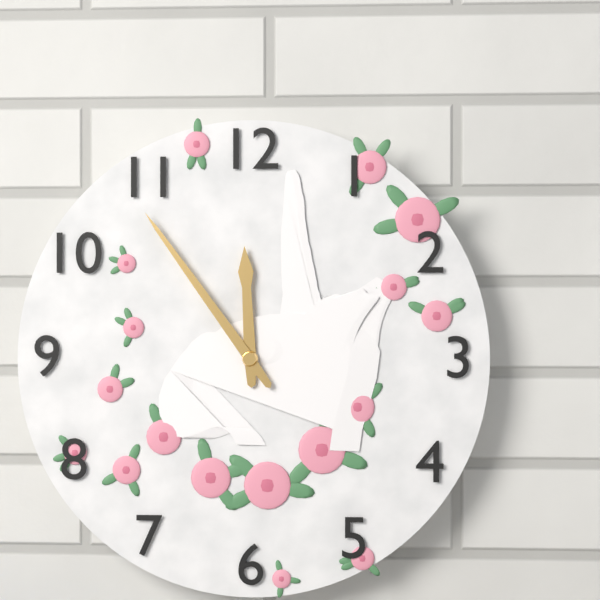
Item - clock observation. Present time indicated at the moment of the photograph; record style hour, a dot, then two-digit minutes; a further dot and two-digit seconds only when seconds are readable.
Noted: 11.54
